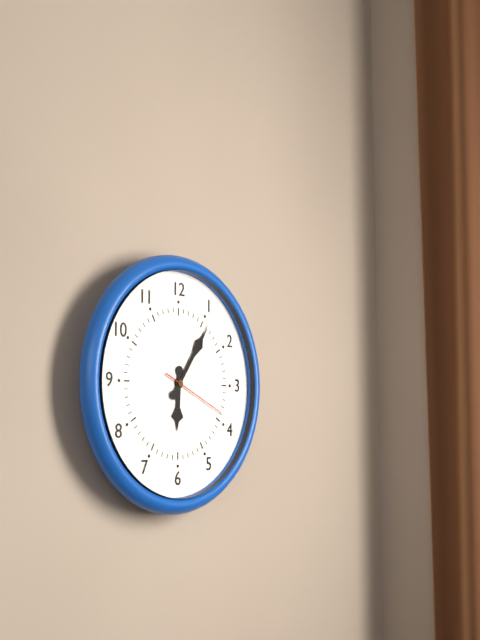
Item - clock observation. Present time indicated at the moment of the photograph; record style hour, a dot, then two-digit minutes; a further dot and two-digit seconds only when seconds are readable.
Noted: 6.06.19
